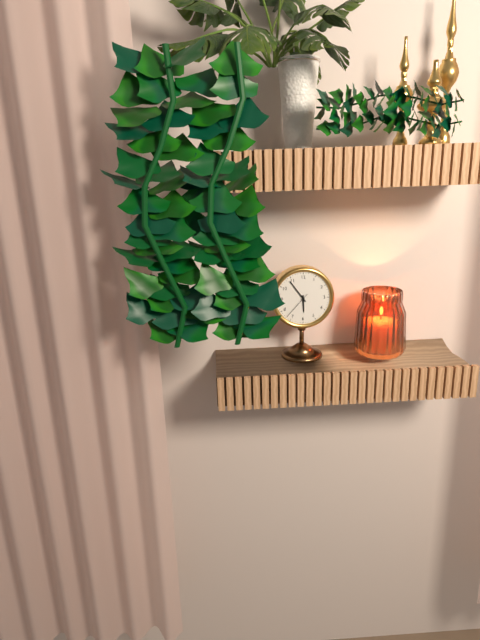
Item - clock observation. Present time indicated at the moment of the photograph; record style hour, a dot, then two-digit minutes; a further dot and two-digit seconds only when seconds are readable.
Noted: 5.54
